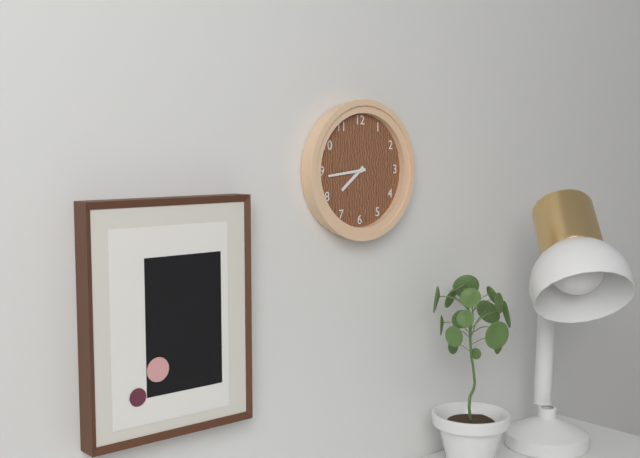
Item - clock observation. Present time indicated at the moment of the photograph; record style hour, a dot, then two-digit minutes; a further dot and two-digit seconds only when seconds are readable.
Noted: 7.44
